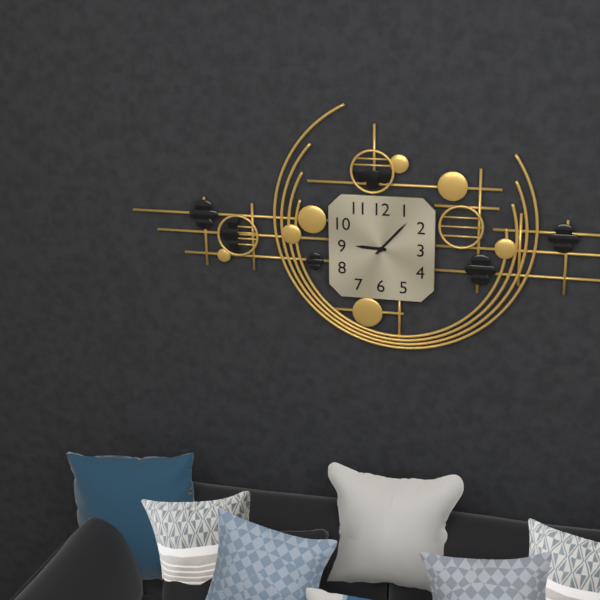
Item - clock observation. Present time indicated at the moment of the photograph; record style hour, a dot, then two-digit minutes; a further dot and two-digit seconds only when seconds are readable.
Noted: 9.07
